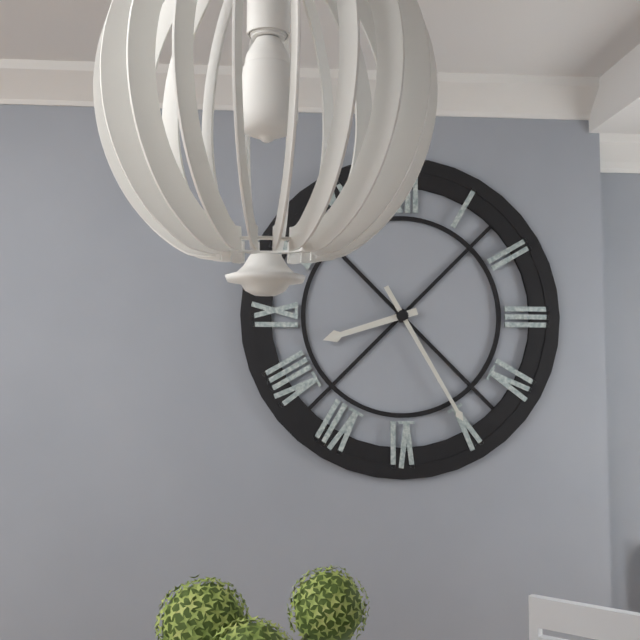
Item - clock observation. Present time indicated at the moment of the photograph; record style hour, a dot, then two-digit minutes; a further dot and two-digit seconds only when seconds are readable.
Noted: 8.25
